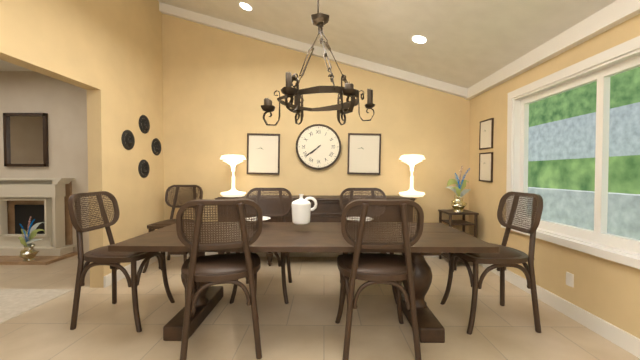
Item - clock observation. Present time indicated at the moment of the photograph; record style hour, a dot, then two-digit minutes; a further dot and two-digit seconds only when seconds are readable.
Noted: 7.39
